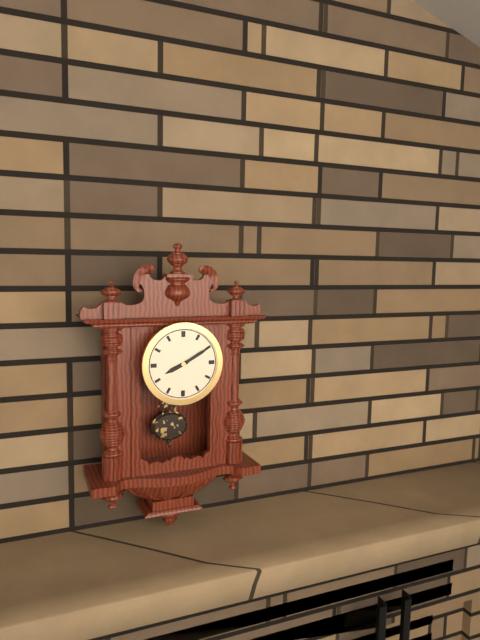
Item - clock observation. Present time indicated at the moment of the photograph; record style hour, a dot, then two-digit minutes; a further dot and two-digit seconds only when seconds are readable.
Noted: 8.10
